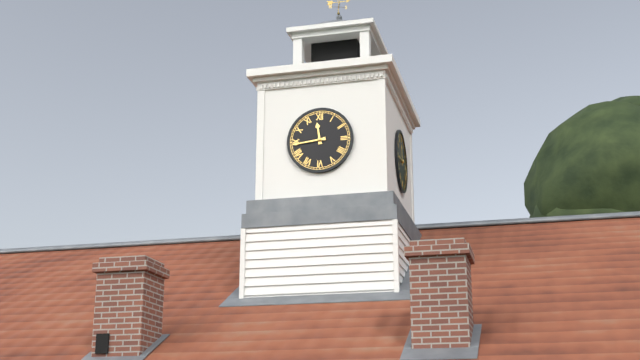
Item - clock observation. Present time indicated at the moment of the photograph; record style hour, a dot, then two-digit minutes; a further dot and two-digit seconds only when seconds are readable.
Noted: 11.44
